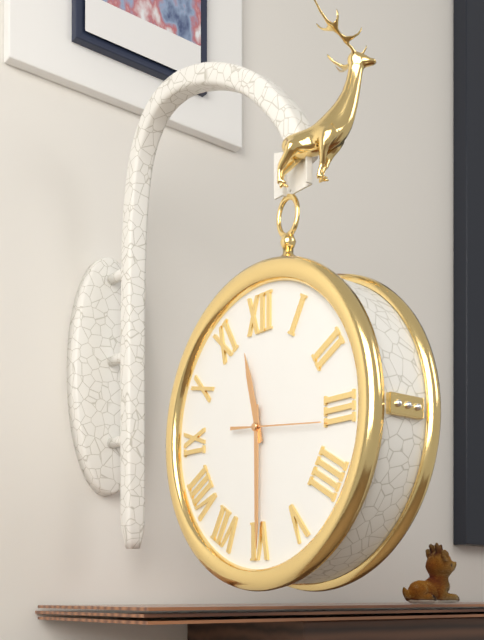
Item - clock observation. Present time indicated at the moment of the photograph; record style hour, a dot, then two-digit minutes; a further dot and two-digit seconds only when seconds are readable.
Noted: 11.30.16
